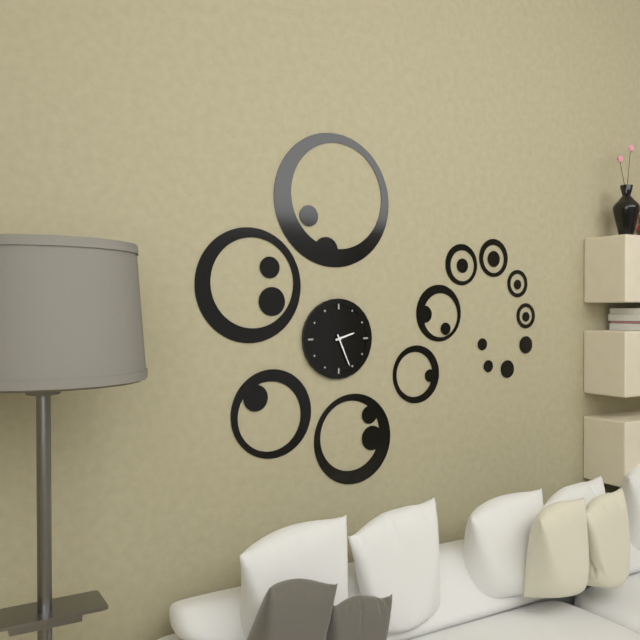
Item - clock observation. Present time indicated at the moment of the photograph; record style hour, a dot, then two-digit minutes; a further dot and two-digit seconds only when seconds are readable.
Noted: 2.26
